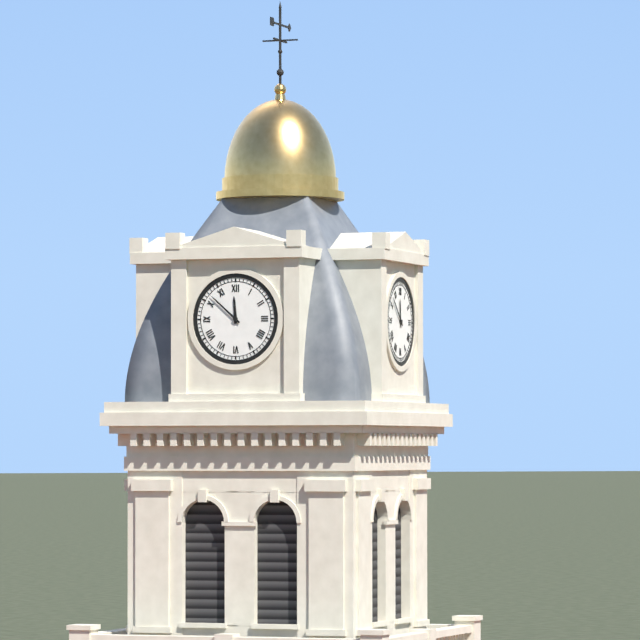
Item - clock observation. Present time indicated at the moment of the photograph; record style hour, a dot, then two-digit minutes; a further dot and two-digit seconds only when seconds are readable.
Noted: 11.52
